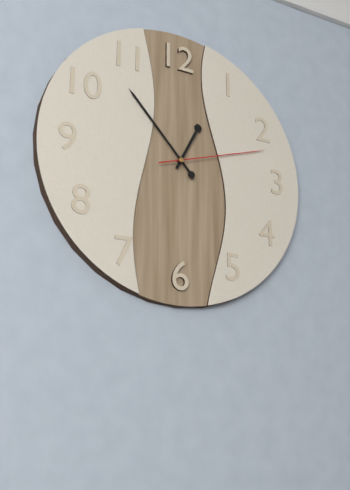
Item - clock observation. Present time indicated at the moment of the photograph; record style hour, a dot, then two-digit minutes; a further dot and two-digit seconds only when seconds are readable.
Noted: 12.53.12
